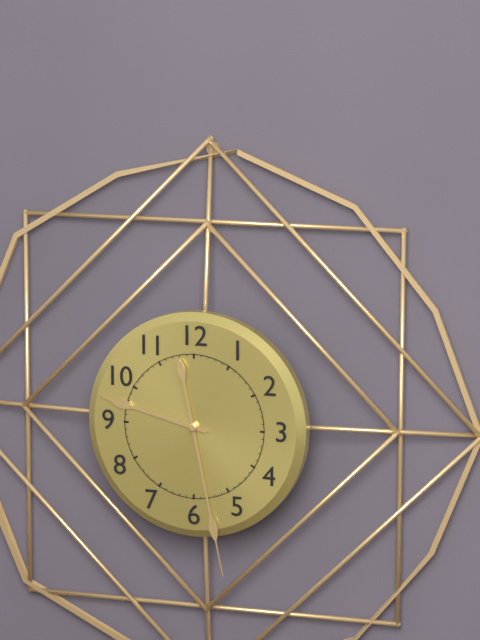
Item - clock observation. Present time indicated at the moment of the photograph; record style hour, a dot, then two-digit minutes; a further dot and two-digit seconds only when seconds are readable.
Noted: 9.28
